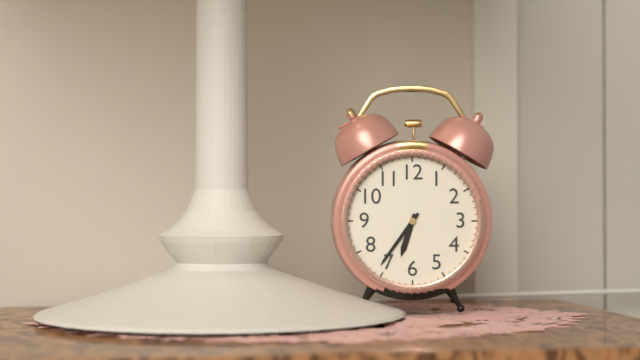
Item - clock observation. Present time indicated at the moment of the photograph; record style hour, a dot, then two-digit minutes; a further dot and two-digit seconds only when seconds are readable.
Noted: 6.36
